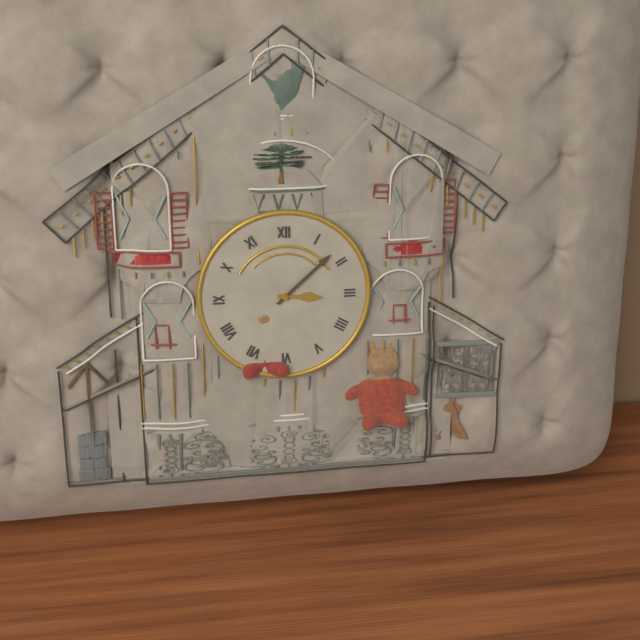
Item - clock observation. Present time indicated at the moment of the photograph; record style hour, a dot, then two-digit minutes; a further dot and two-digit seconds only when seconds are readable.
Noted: 3.08
